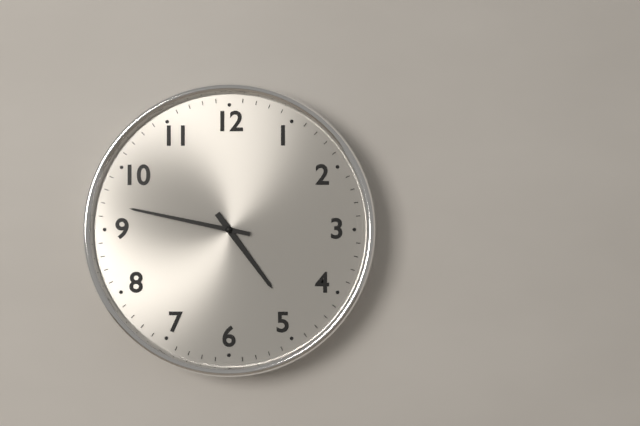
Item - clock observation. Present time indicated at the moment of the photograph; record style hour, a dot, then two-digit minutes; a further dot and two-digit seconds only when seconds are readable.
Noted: 4.47
